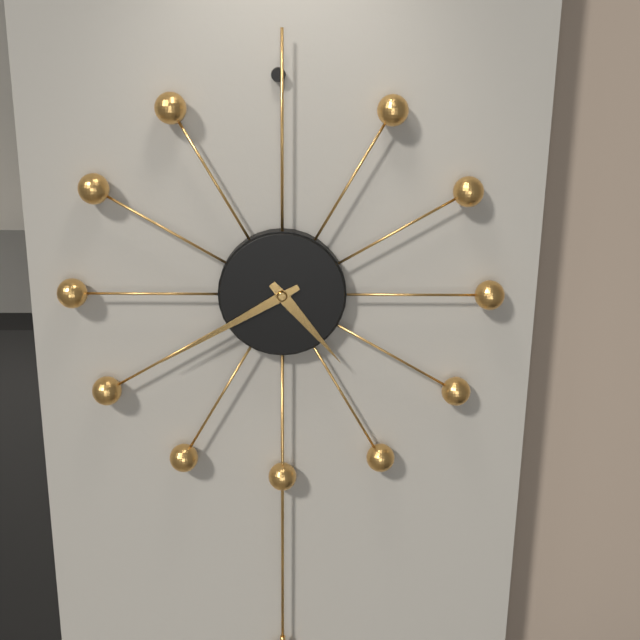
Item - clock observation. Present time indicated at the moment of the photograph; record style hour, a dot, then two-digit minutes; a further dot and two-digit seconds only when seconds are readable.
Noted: 4.40
